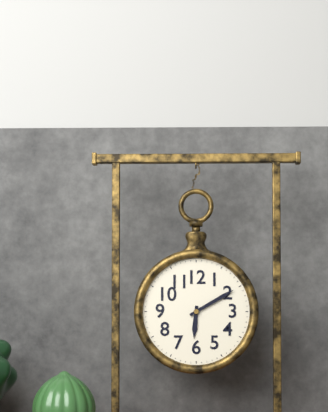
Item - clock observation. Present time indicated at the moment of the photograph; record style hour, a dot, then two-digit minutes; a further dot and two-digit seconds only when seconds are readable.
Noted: 6.10
